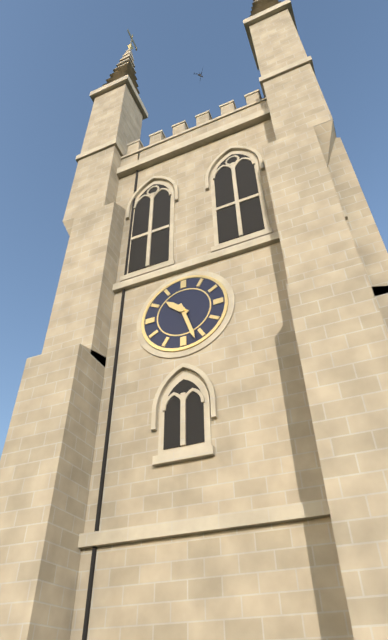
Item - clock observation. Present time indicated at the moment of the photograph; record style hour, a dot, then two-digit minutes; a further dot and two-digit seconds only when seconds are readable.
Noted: 10.27
